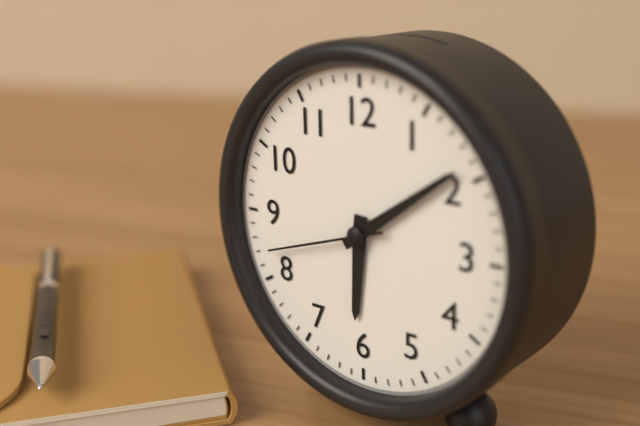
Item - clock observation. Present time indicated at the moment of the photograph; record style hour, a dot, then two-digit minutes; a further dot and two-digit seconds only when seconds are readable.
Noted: 6.09.42
